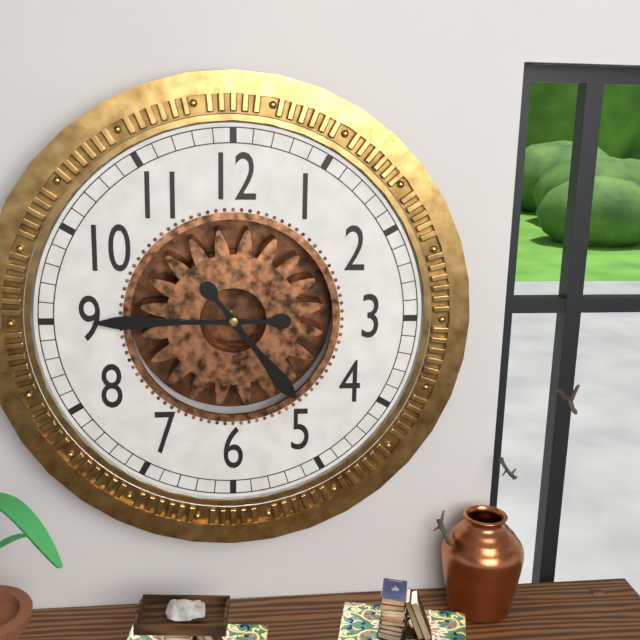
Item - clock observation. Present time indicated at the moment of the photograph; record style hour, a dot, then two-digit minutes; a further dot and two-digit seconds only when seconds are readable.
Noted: 4.45
